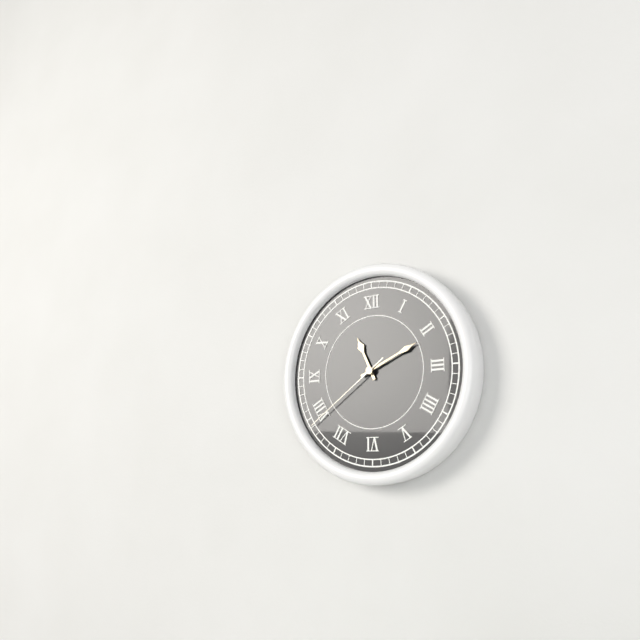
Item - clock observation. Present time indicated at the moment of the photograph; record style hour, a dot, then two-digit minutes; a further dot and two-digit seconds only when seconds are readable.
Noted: 11.11.39
